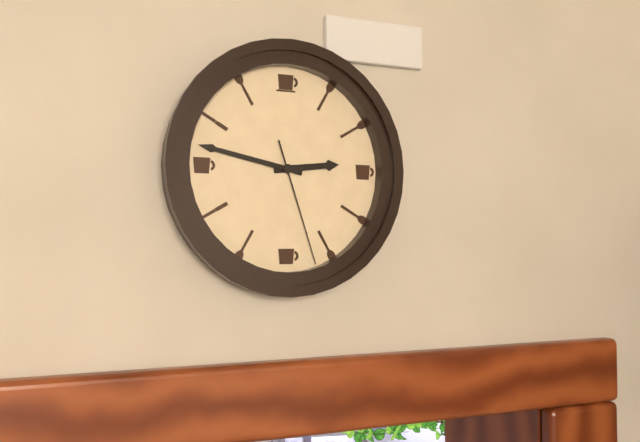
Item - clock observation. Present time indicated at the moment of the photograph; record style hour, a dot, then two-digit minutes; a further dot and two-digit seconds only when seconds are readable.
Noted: 2.47.27
